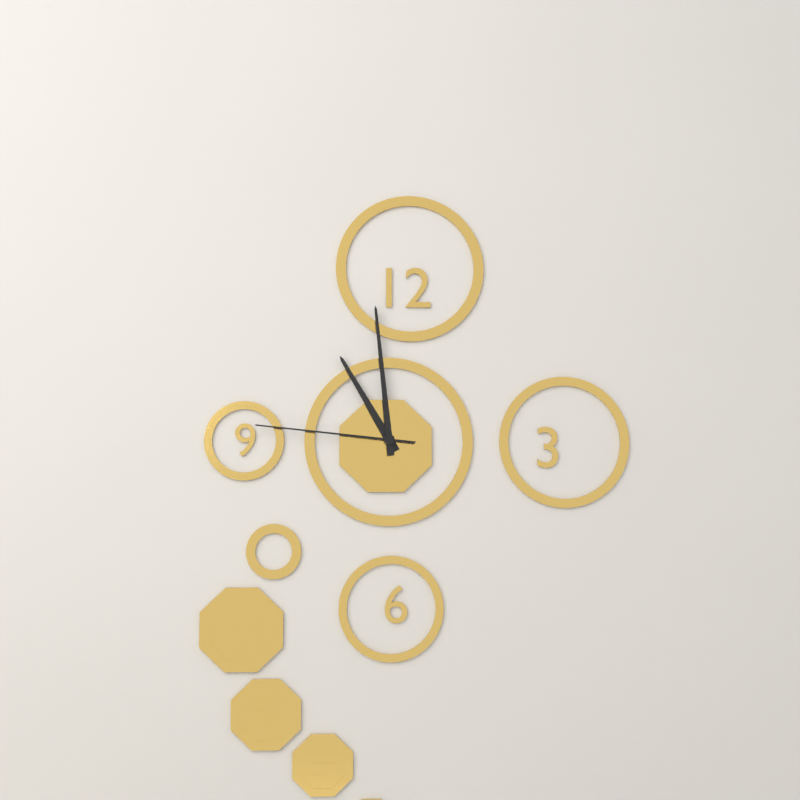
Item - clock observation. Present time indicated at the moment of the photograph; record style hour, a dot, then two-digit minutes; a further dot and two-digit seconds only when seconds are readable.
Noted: 10.59.46
